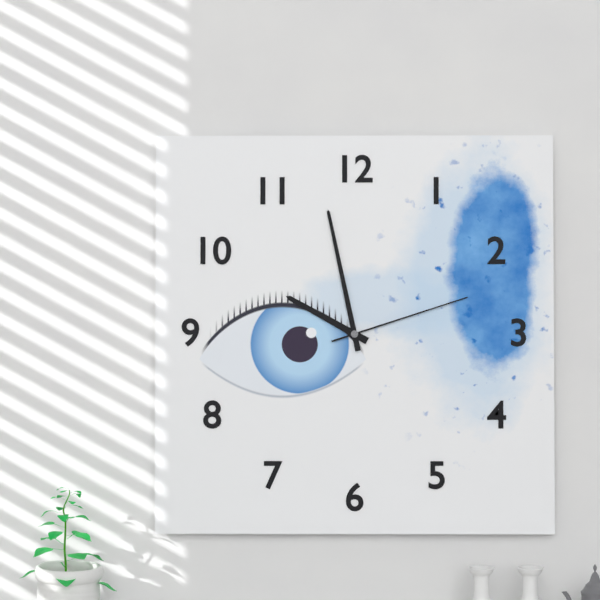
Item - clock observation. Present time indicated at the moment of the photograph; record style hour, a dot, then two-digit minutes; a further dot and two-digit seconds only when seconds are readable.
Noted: 9.58.12
